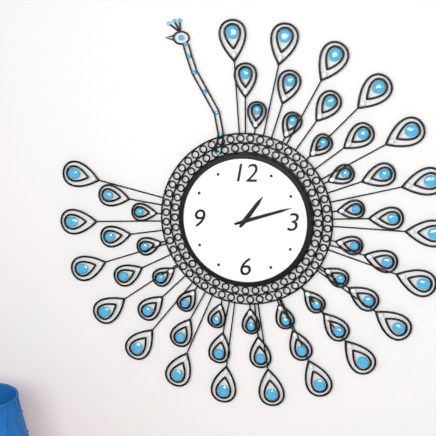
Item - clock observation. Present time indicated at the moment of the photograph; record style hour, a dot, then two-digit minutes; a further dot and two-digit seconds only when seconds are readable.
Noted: 1.12
